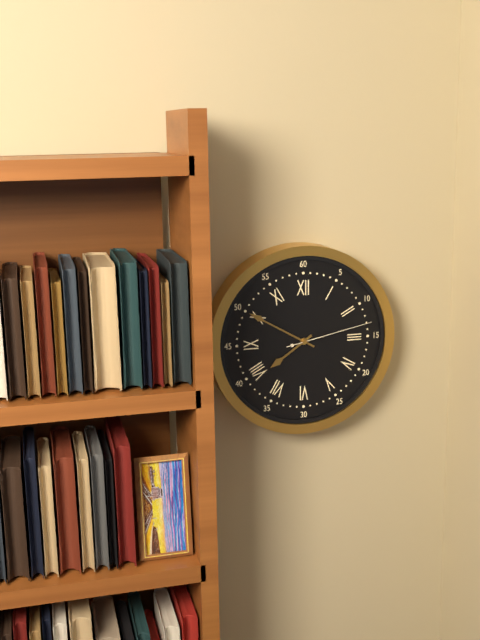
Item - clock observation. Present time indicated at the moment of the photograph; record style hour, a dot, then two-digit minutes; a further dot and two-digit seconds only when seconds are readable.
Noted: 7.50.13
